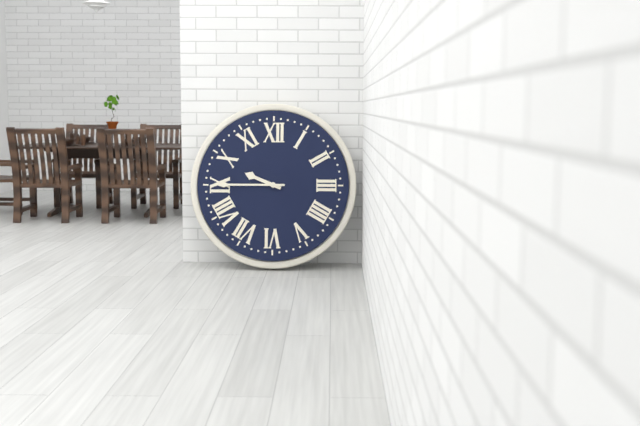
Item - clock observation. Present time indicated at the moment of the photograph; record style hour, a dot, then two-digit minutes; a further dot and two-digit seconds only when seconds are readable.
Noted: 9.45
